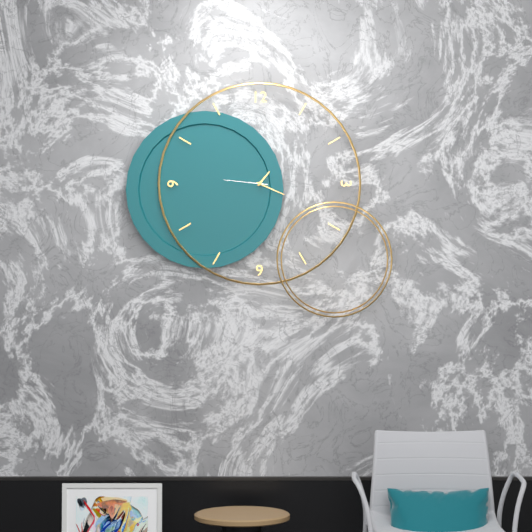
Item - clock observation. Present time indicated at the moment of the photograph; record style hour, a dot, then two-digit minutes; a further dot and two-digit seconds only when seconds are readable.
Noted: 1.19
